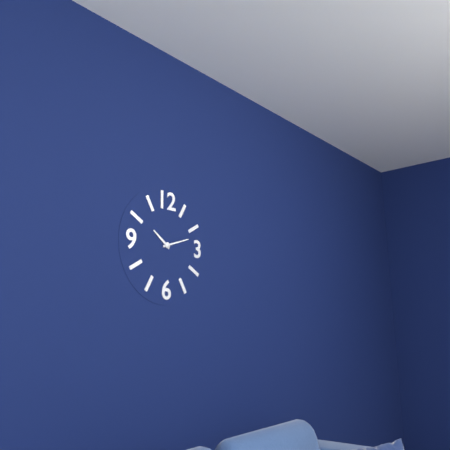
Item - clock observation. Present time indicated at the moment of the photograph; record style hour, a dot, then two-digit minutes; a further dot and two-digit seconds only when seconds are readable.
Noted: 10.12
